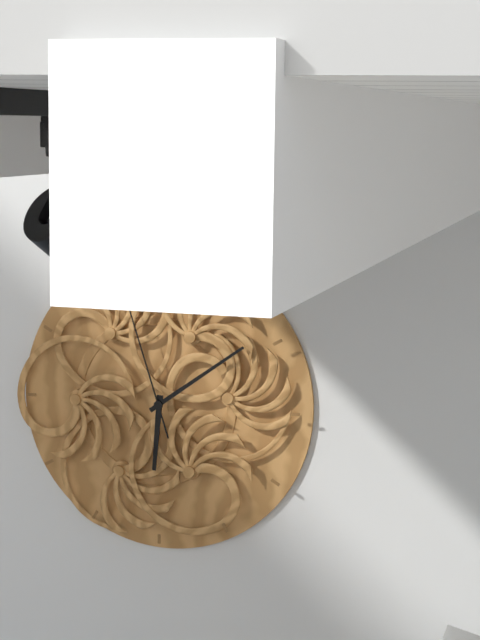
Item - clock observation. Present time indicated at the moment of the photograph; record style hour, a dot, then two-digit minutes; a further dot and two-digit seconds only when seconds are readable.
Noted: 6.09.57
